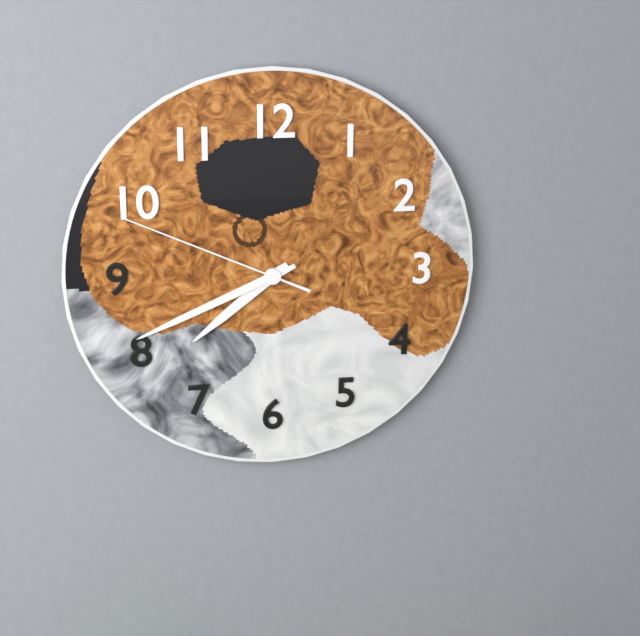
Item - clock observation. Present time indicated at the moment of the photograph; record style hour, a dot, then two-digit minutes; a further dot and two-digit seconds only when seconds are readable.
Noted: 7.41.49
